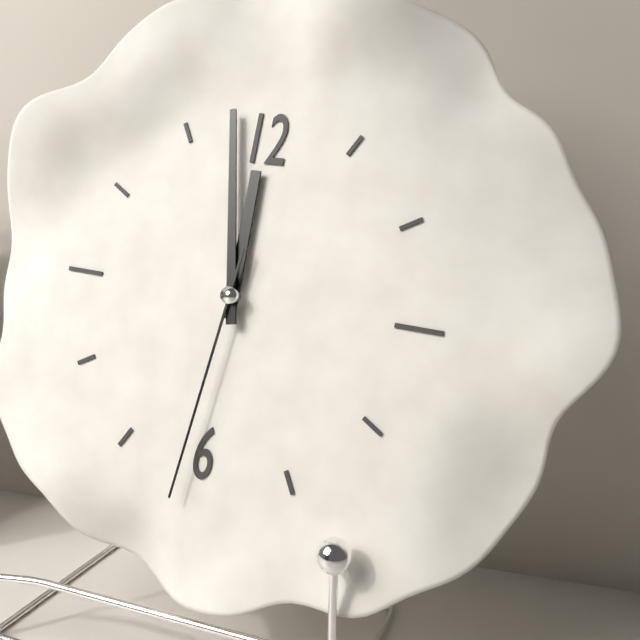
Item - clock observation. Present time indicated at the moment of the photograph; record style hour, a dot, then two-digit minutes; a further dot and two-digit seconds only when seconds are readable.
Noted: 11.58.31
